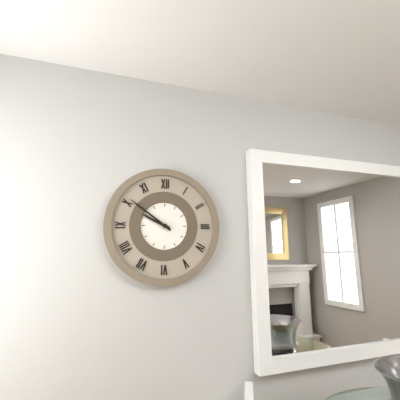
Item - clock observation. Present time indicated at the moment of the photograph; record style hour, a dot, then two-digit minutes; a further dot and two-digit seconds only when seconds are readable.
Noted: 9.51
